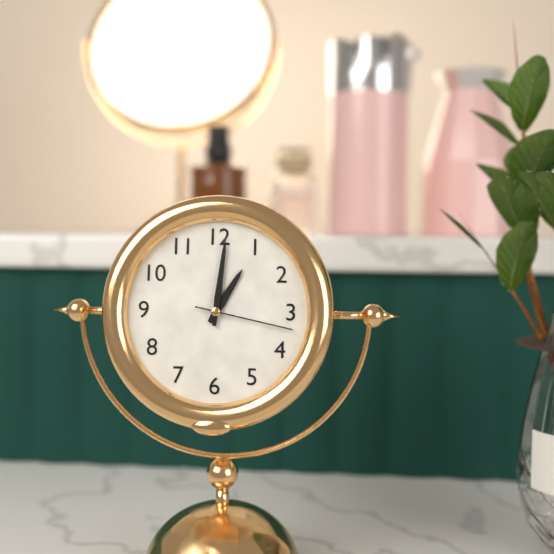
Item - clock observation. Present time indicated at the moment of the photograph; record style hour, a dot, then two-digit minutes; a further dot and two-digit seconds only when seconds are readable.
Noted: 1.01.17
